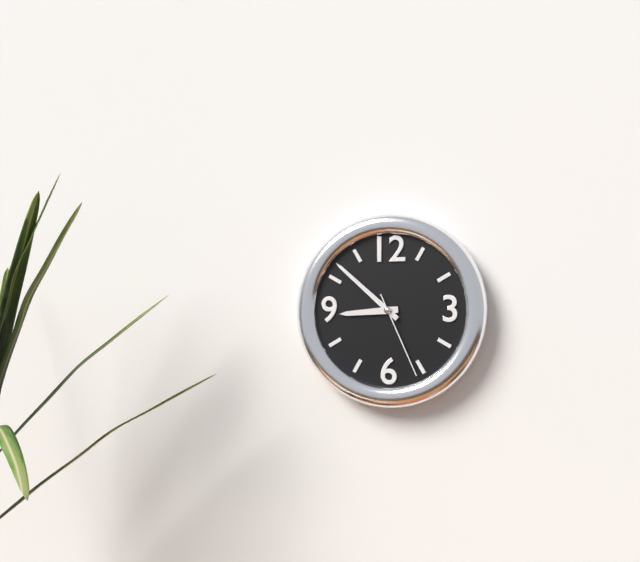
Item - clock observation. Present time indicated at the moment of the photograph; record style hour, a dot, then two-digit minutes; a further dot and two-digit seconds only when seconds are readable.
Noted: 8.52.26
